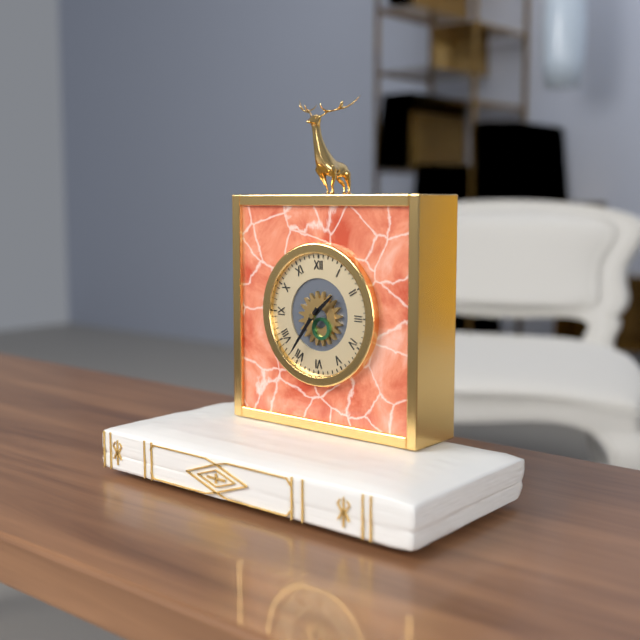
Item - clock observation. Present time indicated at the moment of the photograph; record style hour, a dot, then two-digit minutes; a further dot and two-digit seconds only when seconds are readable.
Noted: 1.36
